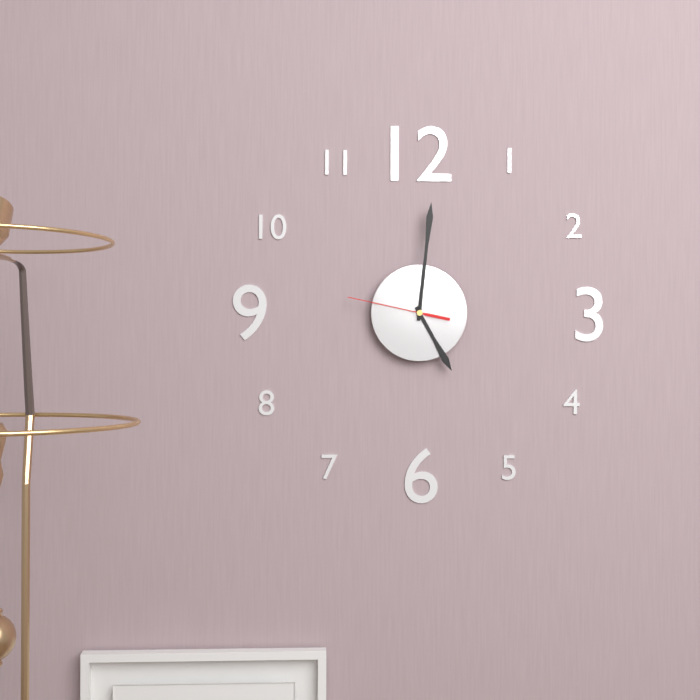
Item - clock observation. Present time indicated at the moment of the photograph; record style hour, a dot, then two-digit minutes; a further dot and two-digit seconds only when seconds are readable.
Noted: 5.01.47
